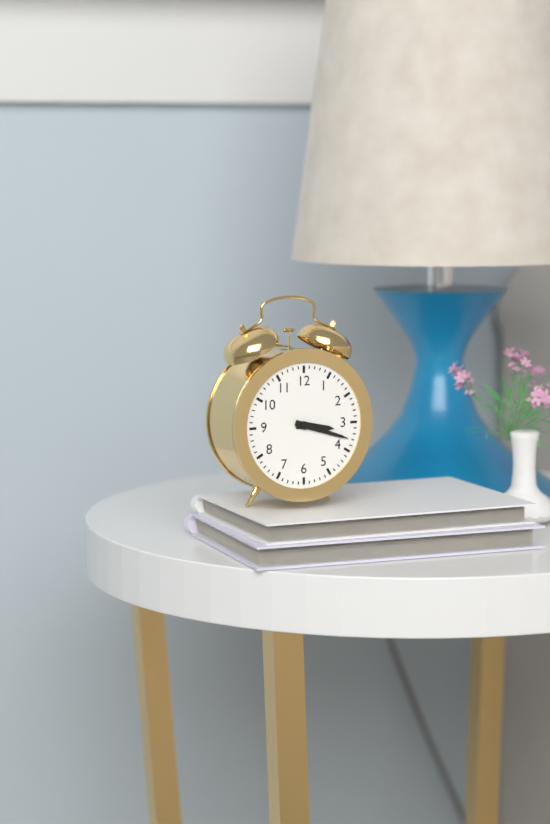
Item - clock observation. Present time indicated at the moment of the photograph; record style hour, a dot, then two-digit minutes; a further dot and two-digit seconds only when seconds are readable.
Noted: 3.18
